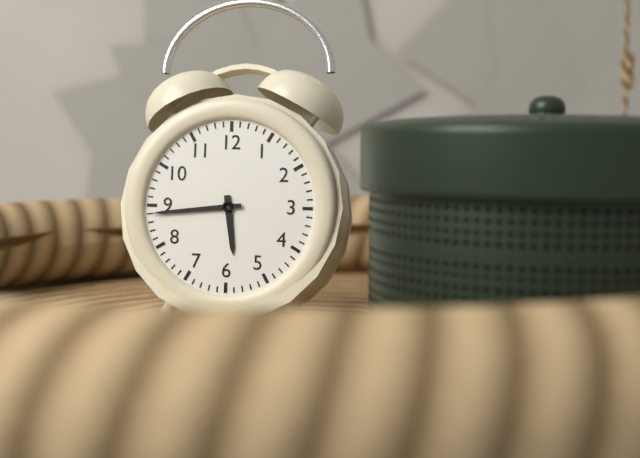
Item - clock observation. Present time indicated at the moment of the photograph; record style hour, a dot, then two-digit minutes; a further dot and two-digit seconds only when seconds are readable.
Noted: 5.44
